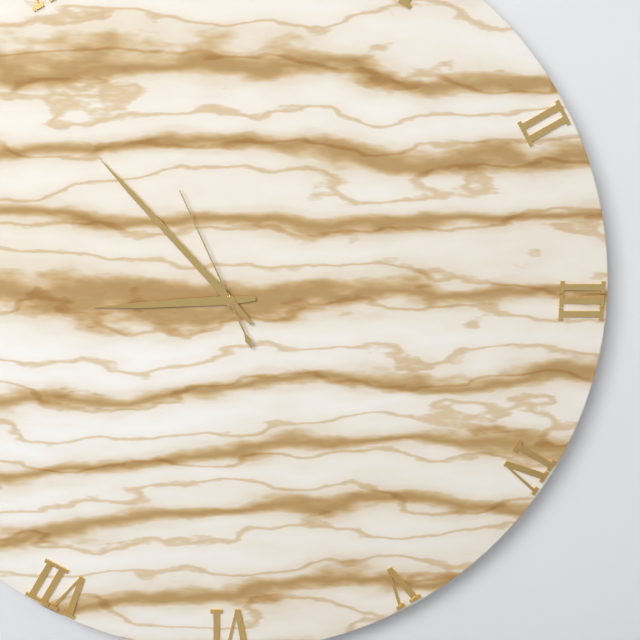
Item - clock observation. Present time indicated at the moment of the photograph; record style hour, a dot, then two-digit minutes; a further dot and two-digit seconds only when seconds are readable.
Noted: 8.53.56
